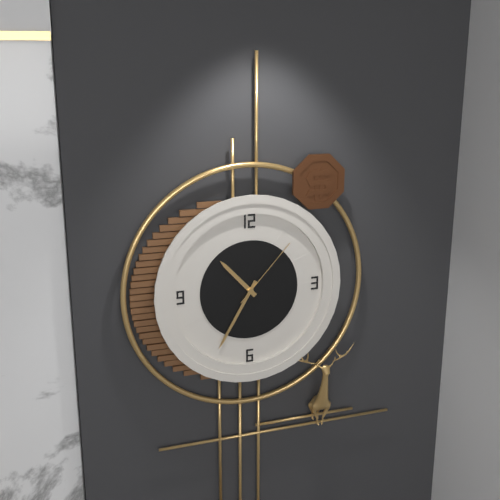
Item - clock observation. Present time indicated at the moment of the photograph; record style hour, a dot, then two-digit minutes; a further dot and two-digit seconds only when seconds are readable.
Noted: 10.35.07
